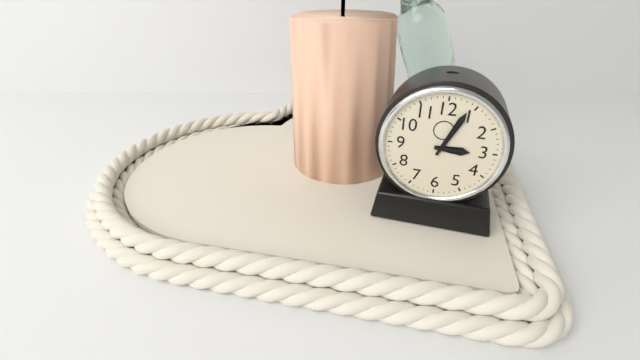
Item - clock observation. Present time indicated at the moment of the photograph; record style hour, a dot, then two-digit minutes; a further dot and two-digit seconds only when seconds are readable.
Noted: 3.04
